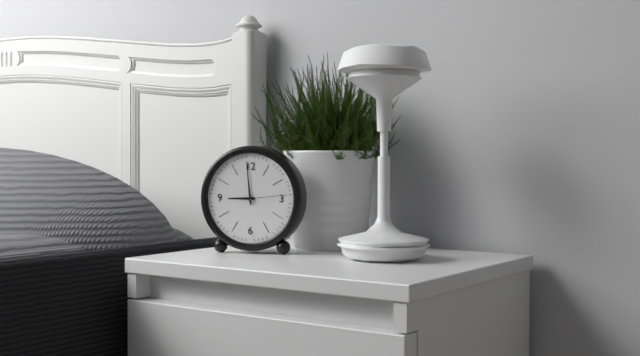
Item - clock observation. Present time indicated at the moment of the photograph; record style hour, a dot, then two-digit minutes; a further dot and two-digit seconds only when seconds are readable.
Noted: 8.59
